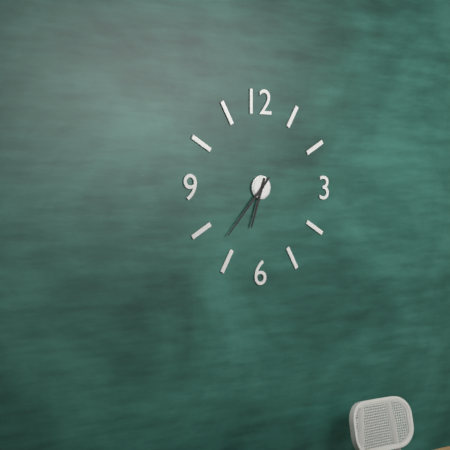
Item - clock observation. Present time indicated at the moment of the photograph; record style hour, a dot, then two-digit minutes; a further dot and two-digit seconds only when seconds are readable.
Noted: 6.37
